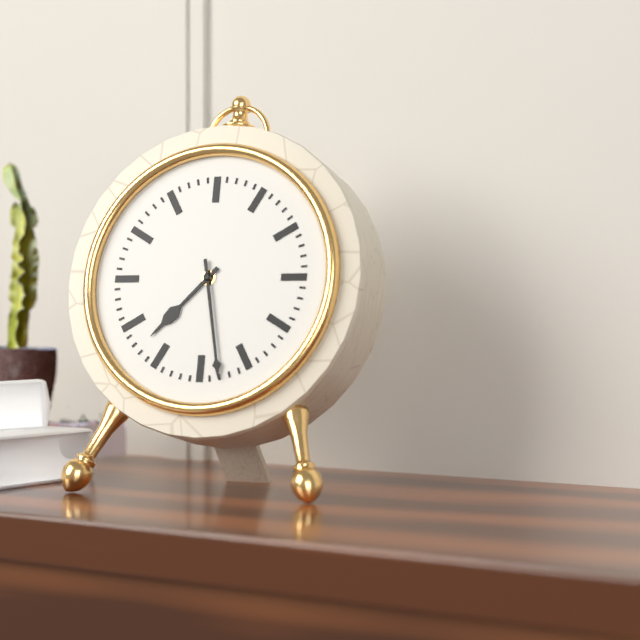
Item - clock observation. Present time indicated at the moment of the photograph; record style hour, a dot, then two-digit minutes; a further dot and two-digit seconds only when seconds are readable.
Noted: 7.28
